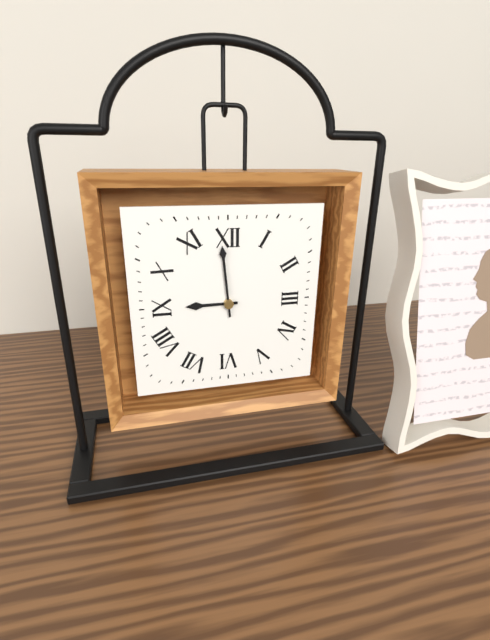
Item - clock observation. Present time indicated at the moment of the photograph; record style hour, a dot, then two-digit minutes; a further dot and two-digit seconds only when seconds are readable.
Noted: 8.59
